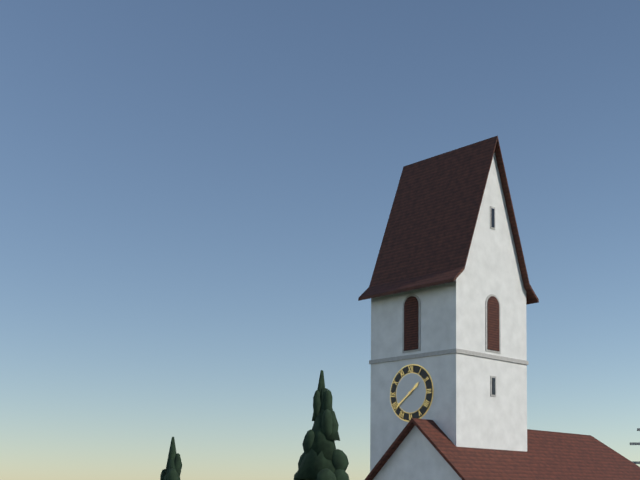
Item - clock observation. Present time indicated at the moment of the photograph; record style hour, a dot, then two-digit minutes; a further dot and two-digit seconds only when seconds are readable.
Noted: 1.39
